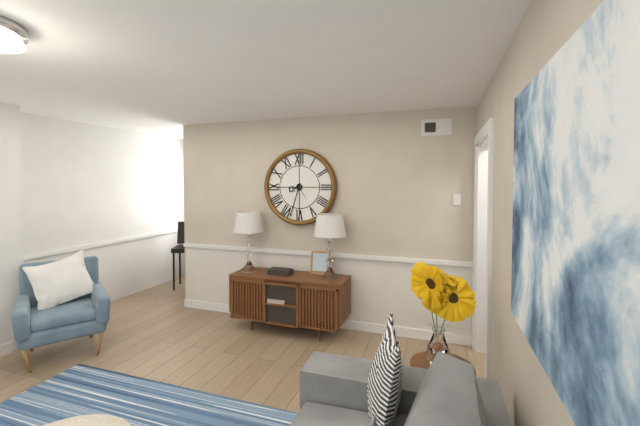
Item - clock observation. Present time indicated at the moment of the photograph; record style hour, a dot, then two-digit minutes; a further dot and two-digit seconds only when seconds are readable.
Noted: 8.33
